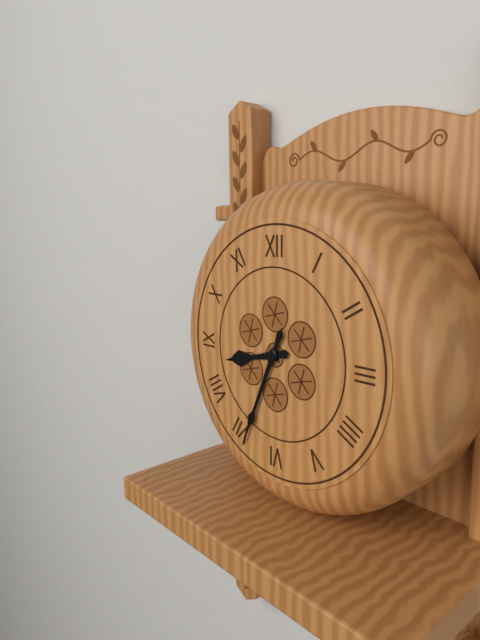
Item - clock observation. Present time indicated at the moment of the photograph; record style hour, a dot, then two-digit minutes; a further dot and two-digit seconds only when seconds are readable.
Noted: 8.34
